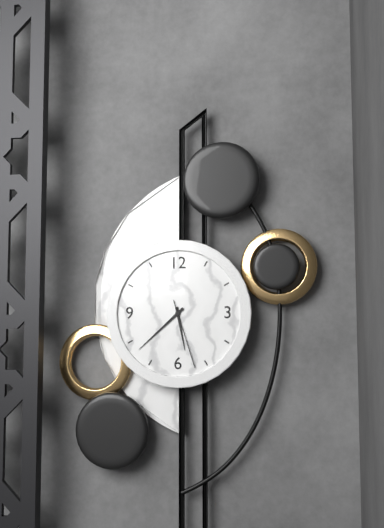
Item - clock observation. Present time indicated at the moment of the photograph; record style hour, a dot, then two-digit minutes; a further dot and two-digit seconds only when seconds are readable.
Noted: 5.38.27
